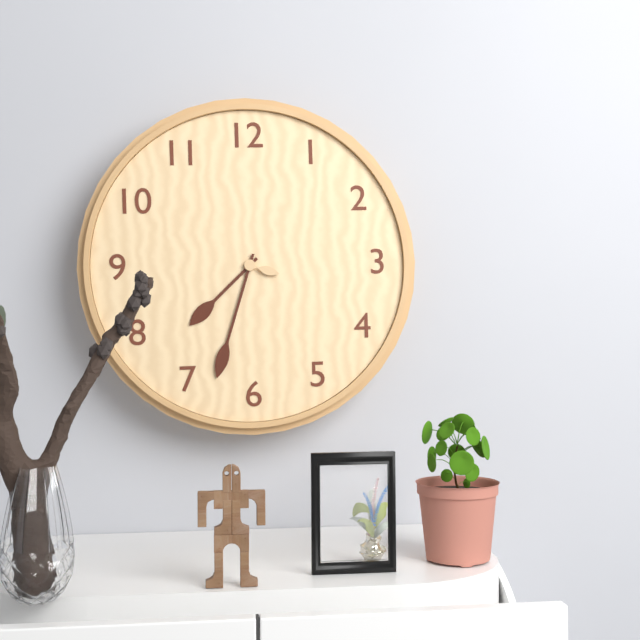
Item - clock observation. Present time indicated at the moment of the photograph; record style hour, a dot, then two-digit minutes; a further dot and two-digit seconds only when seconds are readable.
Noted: 7.33
